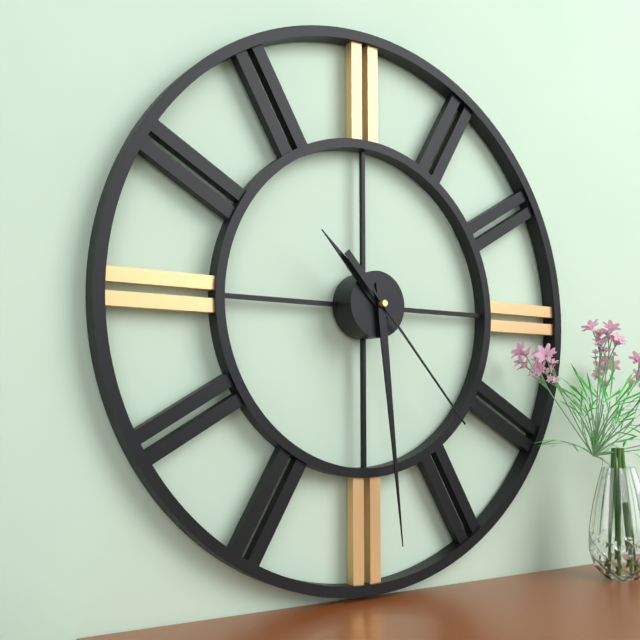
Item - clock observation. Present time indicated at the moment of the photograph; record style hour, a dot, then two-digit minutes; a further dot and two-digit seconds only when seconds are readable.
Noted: 10.29.23
